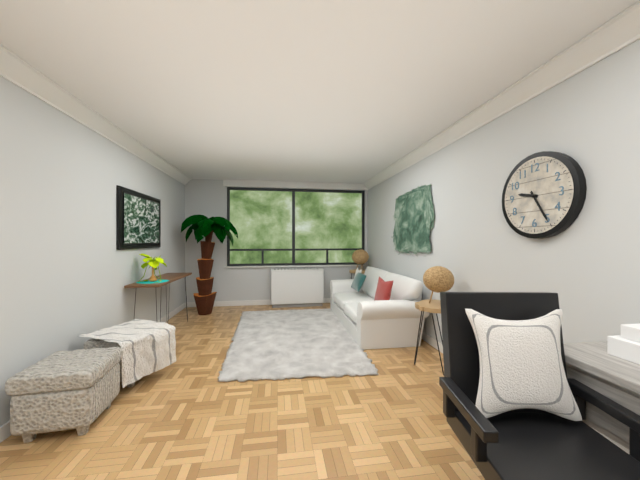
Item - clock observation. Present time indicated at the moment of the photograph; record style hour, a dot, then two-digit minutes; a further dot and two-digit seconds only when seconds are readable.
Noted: 9.25
